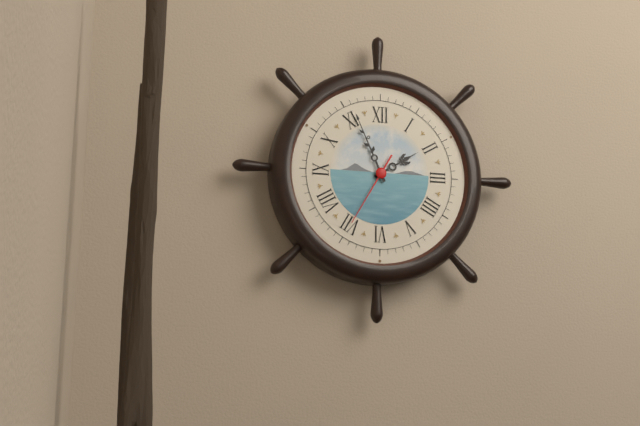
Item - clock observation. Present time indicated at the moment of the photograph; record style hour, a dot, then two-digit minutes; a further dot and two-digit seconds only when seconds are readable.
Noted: 1.56.35
